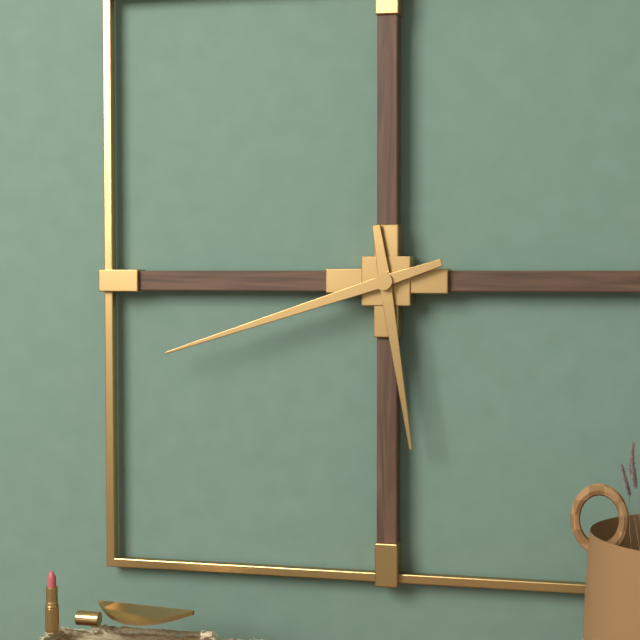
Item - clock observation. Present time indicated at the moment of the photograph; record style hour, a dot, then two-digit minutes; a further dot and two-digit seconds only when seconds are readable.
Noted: 5.42
